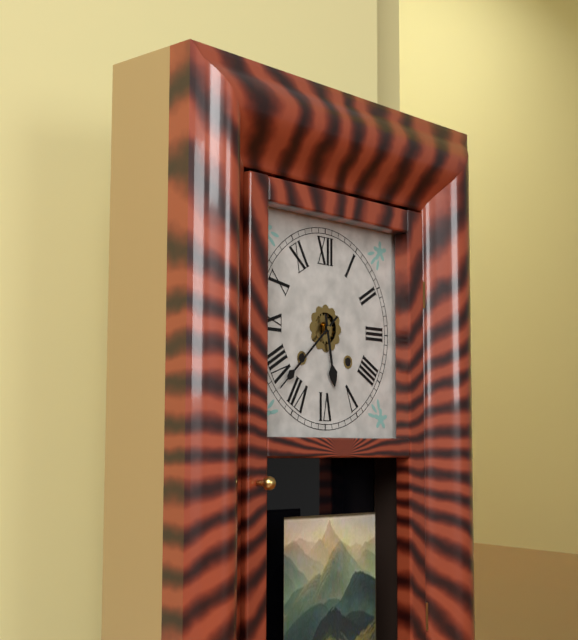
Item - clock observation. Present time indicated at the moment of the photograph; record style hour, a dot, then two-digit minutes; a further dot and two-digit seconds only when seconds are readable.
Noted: 5.38
